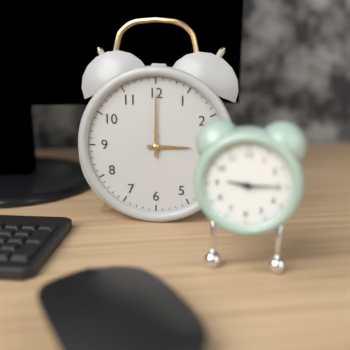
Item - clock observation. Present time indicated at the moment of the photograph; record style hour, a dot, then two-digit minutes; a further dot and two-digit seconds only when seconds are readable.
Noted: 3.00
